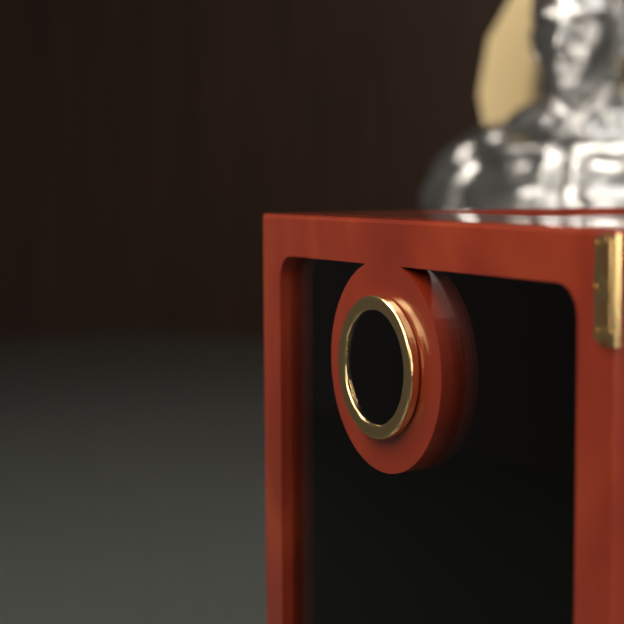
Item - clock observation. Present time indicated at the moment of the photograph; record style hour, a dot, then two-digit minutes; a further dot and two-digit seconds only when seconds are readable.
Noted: 8.32
